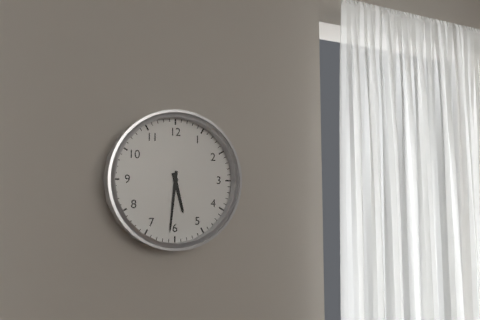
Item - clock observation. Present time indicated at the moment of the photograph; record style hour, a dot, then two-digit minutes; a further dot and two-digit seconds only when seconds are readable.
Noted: 5.31
